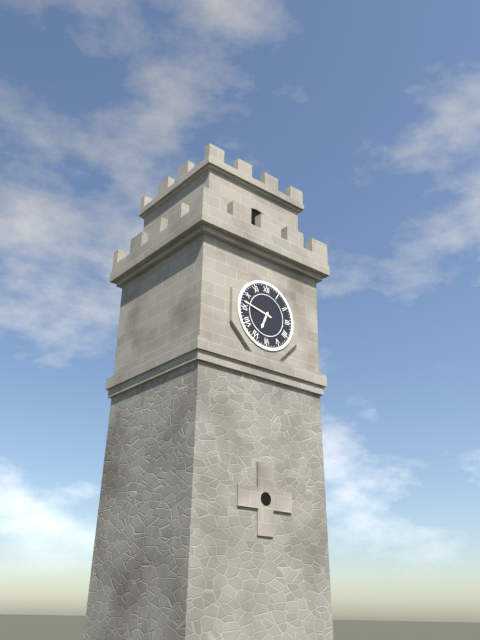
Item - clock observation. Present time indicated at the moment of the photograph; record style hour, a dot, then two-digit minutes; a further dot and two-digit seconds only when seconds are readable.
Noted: 6.47
